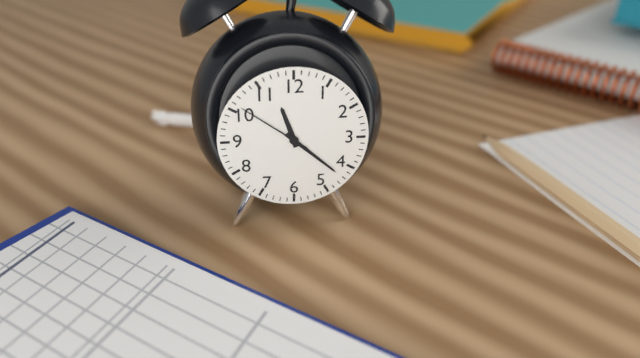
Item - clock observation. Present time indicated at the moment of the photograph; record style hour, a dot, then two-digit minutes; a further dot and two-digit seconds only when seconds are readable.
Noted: 11.22.51
